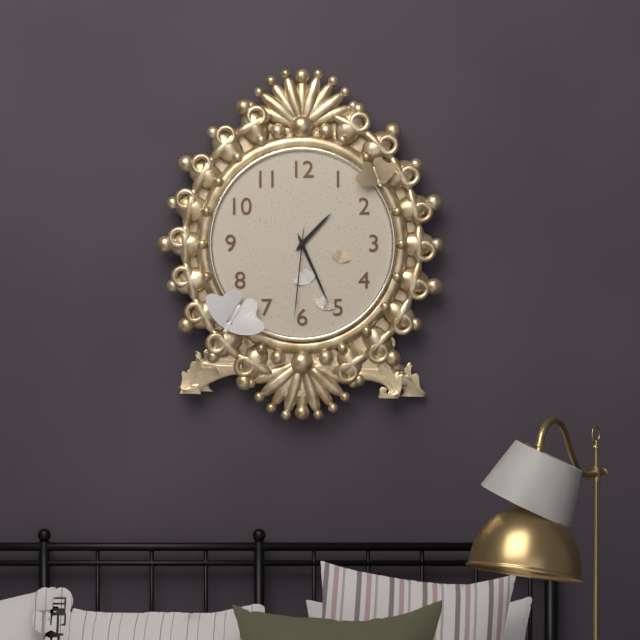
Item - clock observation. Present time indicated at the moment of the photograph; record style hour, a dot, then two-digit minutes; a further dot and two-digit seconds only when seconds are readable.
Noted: 1.26.31
